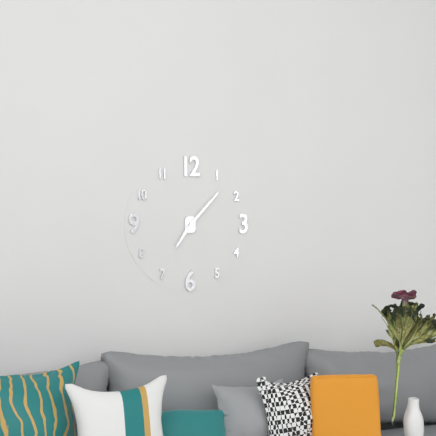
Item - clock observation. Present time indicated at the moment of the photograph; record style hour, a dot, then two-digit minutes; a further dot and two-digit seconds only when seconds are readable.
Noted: 7.07
